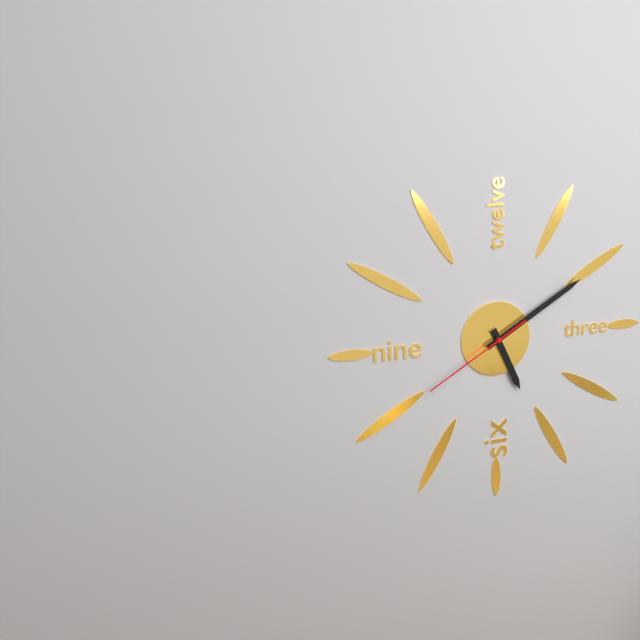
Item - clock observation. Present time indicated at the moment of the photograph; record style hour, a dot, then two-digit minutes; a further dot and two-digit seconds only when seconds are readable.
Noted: 5.10.40
